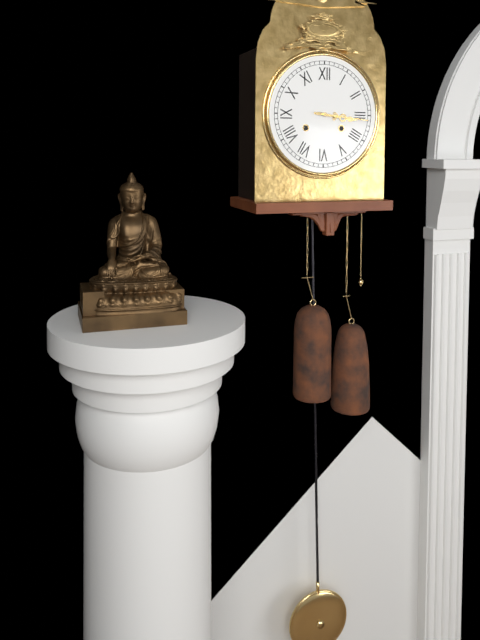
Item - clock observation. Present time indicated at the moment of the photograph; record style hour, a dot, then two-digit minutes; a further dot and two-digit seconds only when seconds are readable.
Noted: 3.16
